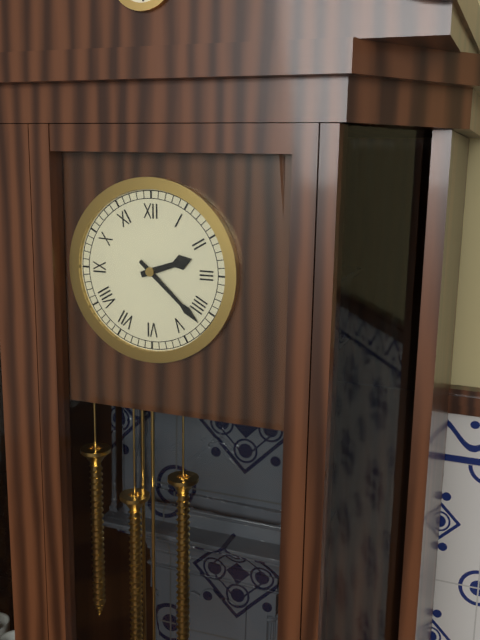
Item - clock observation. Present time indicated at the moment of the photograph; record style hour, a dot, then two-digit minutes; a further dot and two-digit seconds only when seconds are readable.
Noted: 2.22
